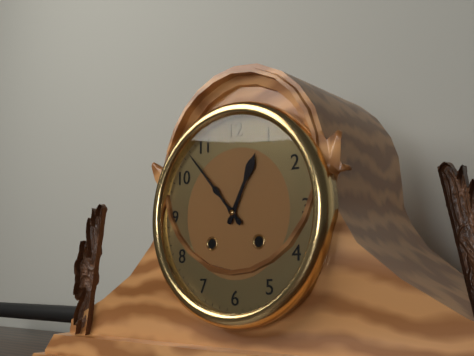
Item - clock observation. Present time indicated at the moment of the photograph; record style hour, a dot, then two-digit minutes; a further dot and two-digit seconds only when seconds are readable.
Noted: 12.53
